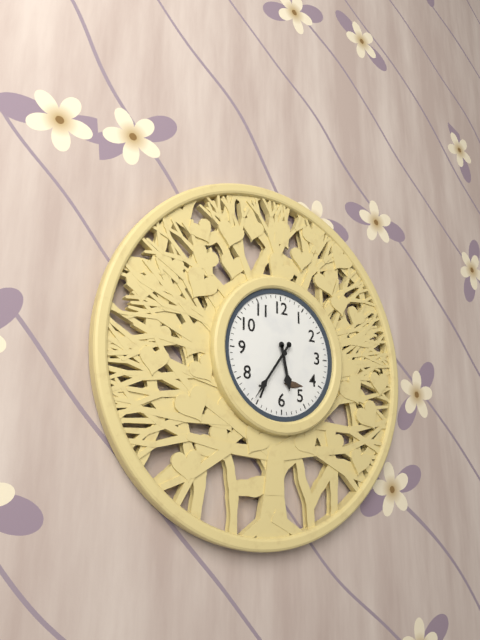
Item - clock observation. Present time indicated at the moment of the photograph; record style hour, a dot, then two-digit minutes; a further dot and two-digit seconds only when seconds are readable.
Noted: 5.36
